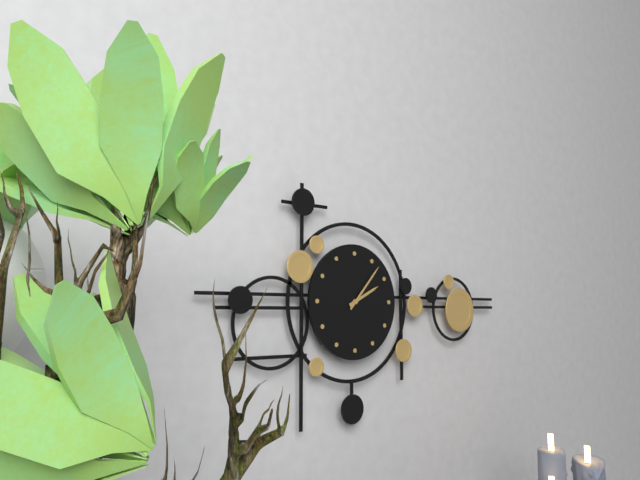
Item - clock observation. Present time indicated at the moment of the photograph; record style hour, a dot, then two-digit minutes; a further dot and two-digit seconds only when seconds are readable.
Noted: 2.07
